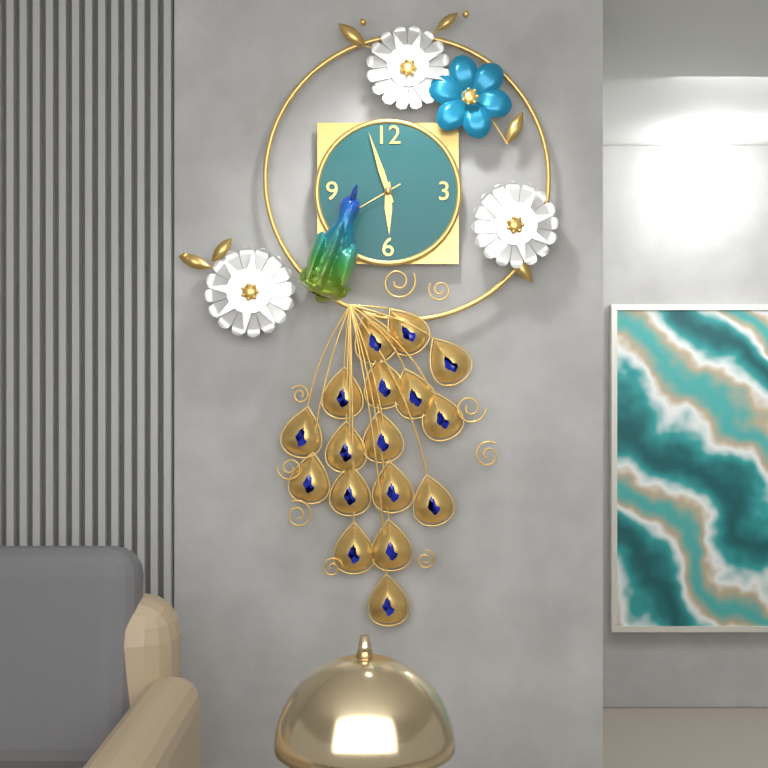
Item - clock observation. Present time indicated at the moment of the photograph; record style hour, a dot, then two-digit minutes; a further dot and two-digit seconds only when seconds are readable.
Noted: 5.57
